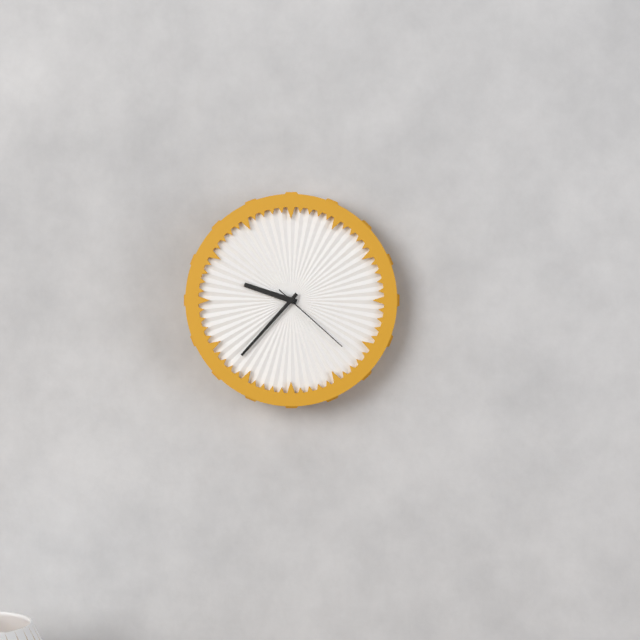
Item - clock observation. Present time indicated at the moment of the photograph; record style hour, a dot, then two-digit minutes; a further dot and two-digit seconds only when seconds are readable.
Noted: 9.37.22
